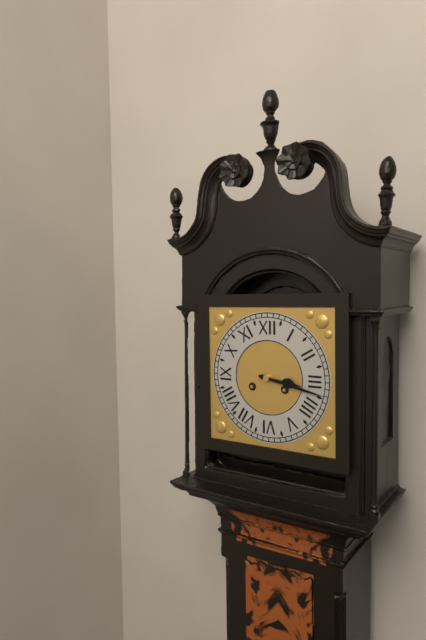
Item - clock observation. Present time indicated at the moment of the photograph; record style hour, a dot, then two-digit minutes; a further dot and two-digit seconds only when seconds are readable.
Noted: 3.17
